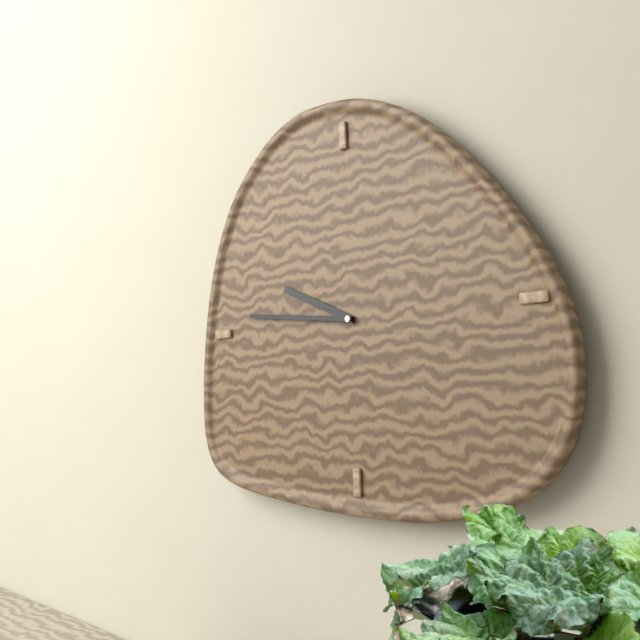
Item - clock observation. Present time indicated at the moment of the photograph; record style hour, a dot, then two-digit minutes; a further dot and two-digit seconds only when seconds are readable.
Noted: 9.46
